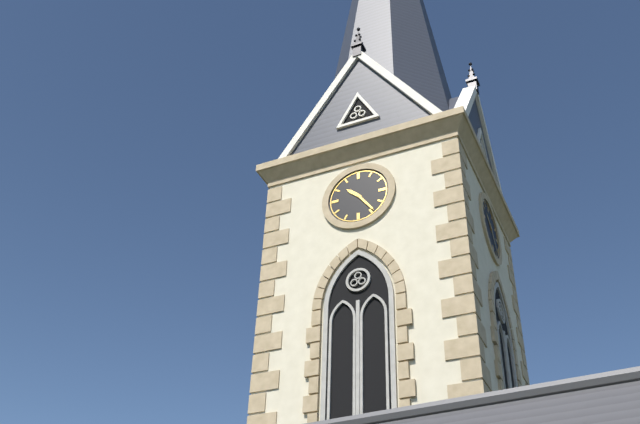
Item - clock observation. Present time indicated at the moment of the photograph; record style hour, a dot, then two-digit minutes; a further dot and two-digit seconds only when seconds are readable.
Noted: 10.24
